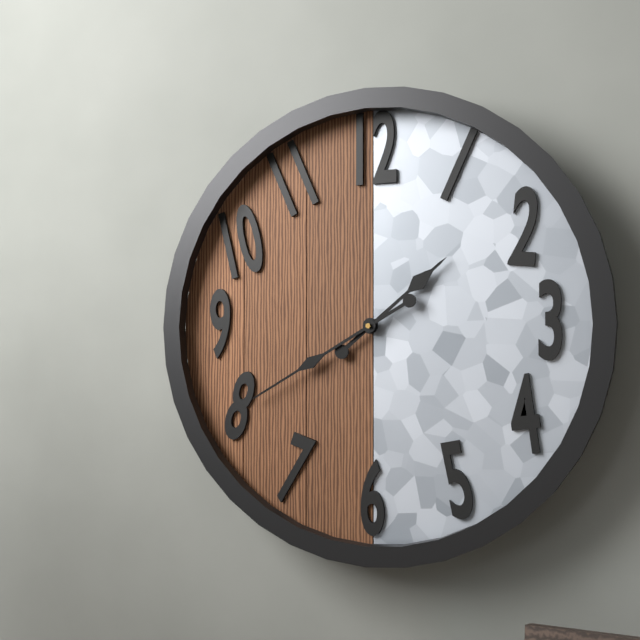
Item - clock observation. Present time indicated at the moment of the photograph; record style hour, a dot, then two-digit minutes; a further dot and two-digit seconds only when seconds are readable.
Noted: 1.40
